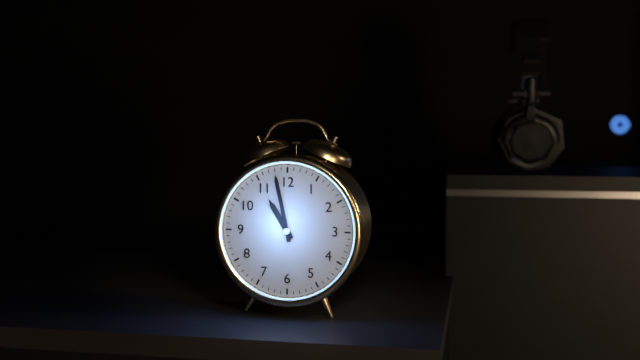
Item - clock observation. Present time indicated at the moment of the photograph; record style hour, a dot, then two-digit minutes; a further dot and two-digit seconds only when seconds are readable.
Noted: 10.58
